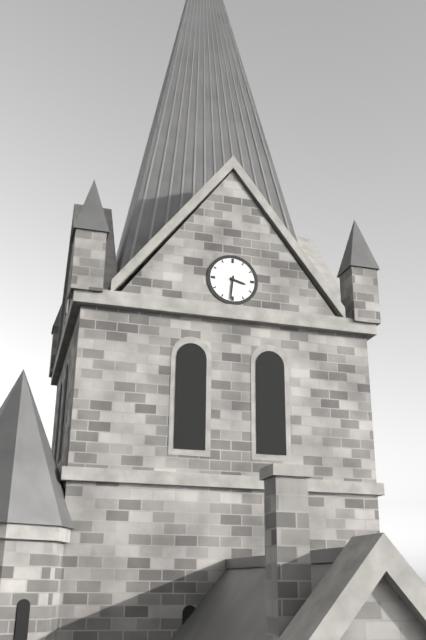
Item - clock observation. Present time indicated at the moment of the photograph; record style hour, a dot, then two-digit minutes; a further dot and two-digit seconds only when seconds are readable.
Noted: 3.31
